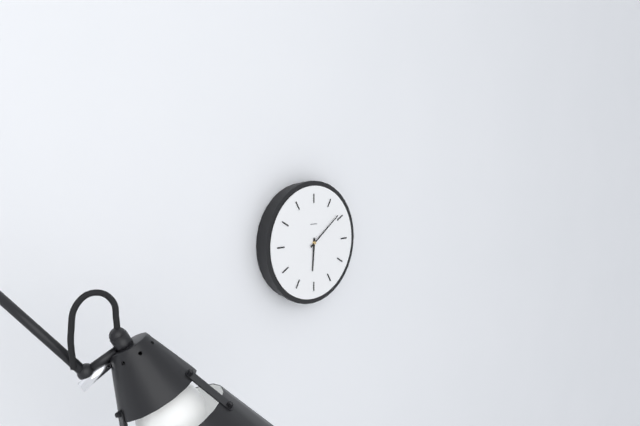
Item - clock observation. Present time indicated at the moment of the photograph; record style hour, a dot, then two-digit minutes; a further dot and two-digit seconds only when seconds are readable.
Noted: 6.09
